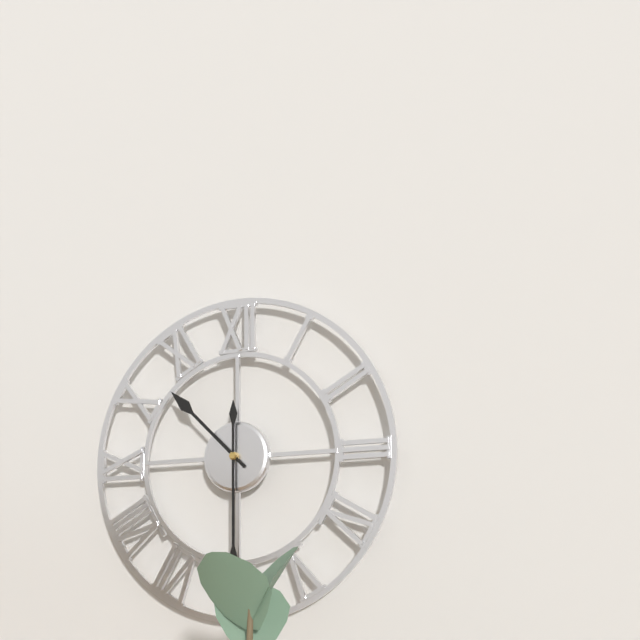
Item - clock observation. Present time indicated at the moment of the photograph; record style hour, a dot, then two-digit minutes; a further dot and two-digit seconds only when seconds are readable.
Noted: 10.30
